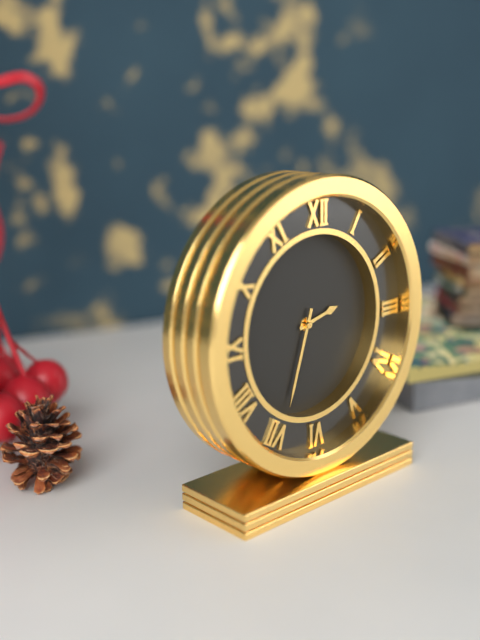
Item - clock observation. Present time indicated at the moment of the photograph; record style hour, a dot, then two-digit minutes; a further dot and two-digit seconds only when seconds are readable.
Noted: 2.33
